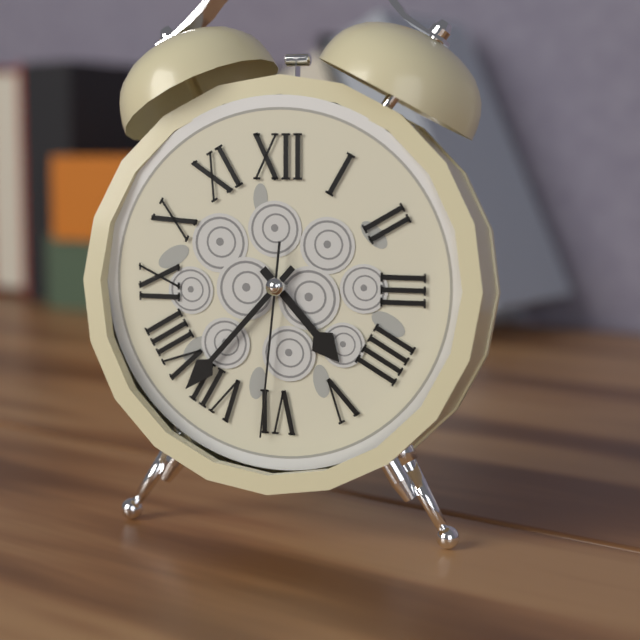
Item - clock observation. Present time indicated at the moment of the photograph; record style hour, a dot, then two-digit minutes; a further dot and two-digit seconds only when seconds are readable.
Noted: 4.37.31
